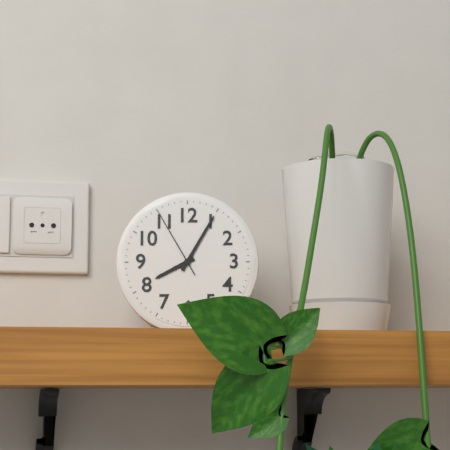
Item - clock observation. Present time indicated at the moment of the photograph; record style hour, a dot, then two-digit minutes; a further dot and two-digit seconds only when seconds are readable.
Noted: 8.05.55
